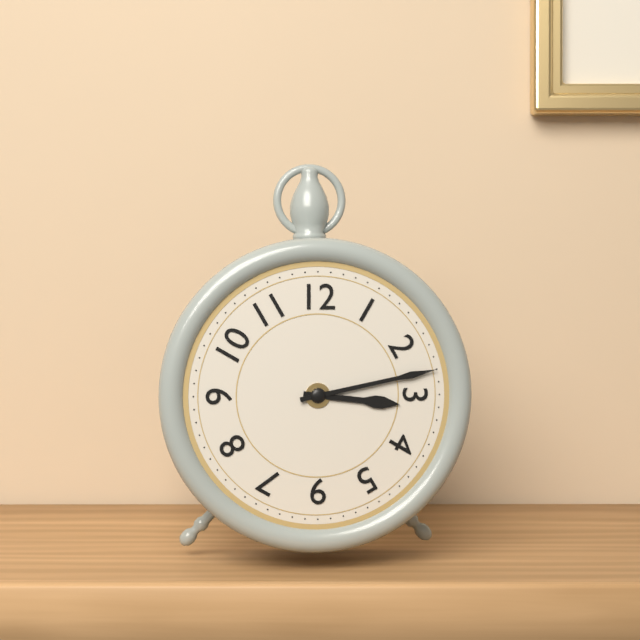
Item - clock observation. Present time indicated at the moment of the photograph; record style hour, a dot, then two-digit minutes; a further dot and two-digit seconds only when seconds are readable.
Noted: 3.13
